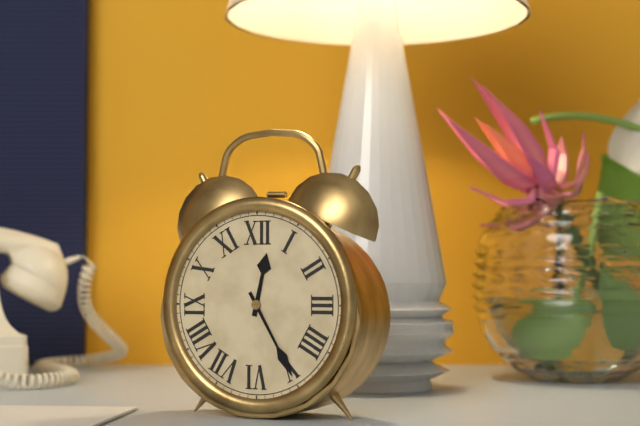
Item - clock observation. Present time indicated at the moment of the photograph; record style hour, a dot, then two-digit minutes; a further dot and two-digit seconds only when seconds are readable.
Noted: 12.25
